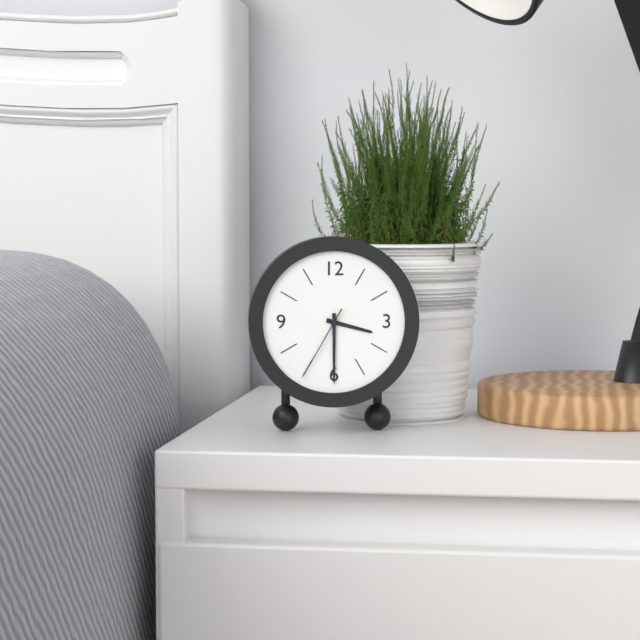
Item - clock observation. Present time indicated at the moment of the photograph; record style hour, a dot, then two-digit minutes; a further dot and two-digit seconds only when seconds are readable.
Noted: 3.30.35
